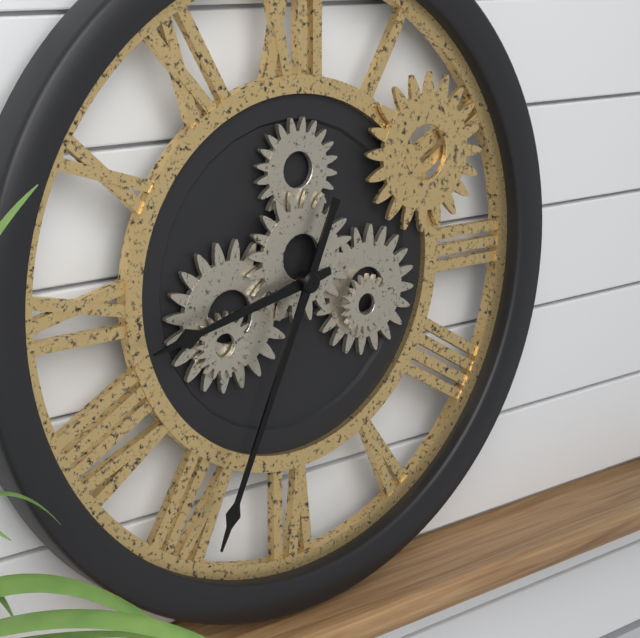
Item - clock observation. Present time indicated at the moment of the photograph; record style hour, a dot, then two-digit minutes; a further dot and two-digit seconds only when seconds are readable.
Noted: 8.34
